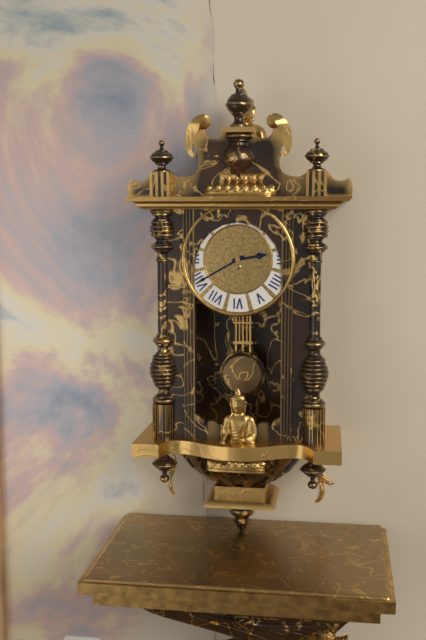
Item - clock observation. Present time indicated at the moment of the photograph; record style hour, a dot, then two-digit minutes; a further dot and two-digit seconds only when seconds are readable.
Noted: 2.40
